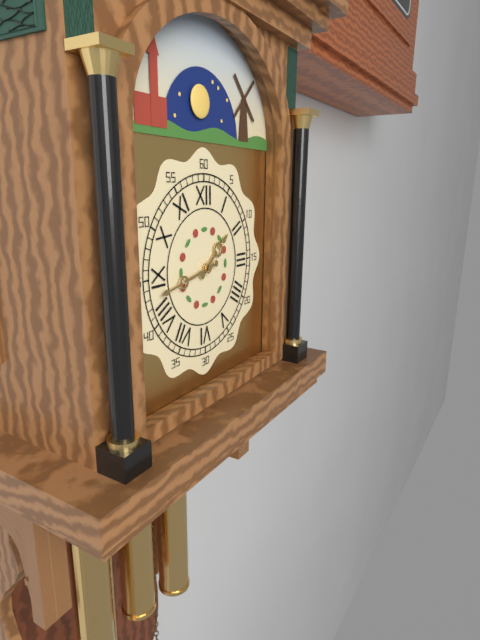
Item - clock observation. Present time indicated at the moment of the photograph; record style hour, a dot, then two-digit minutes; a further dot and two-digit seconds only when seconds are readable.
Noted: 1.43
